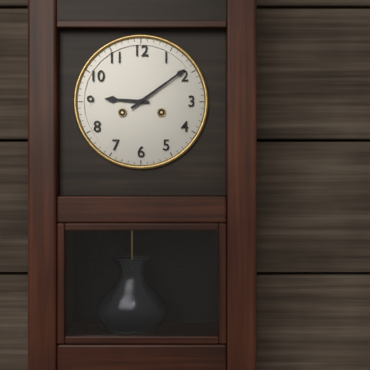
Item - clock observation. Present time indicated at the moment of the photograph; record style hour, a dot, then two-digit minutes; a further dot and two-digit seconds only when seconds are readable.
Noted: 9.09
